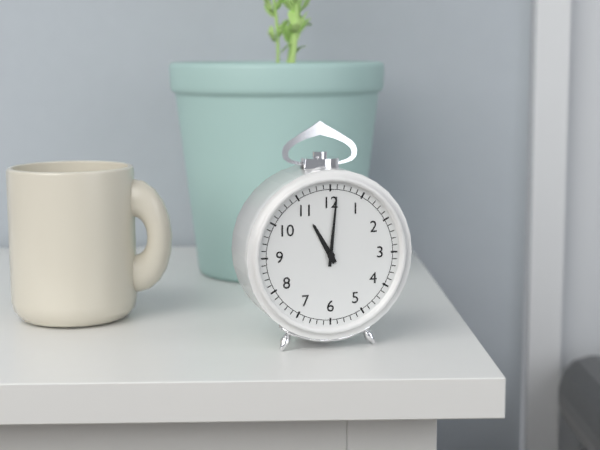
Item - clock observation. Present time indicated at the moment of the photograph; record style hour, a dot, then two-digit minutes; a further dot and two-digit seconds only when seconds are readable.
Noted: 11.01
